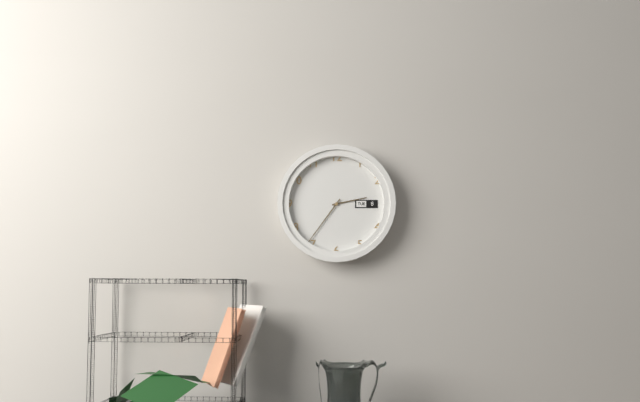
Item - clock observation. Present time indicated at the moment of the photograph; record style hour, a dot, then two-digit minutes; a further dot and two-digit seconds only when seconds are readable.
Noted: 2.36
